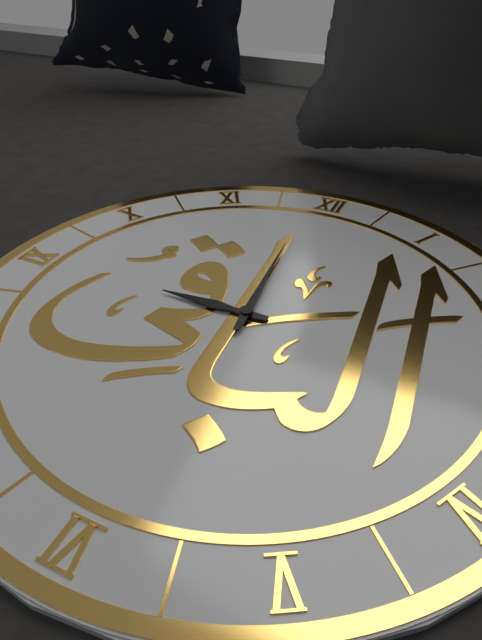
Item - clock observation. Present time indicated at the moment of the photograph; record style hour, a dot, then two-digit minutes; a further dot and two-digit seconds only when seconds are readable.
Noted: 8.59
